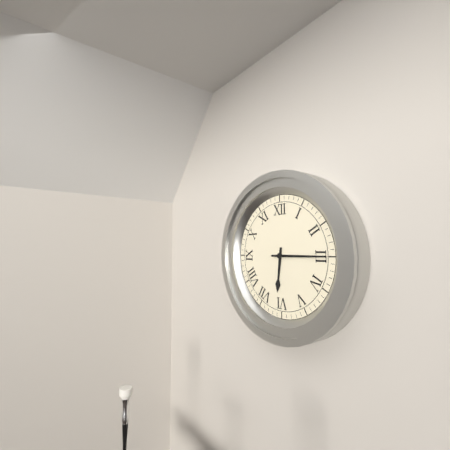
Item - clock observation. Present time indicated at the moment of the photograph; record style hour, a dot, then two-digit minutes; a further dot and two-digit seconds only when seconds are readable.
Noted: 6.15
